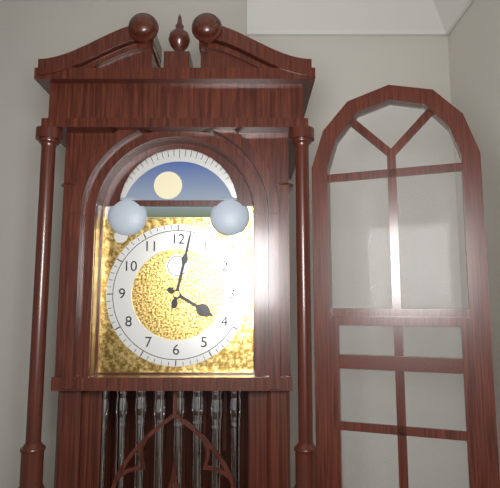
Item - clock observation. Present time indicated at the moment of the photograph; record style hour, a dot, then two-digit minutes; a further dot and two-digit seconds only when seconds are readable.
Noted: 4.02
